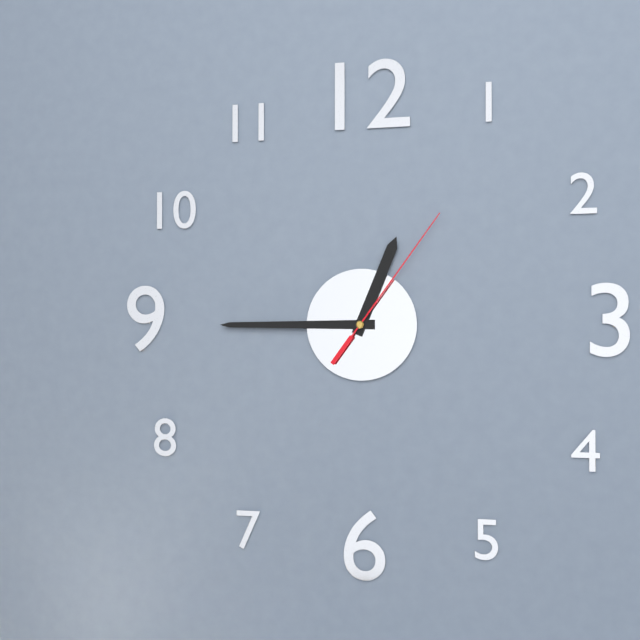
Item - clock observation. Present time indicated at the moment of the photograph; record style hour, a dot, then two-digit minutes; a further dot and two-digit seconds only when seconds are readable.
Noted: 12.45.06
